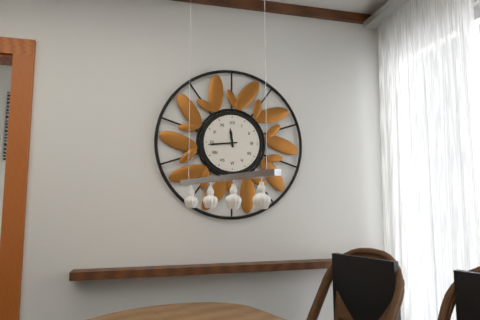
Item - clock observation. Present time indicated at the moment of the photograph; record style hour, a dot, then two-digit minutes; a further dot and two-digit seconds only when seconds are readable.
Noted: 11.44
